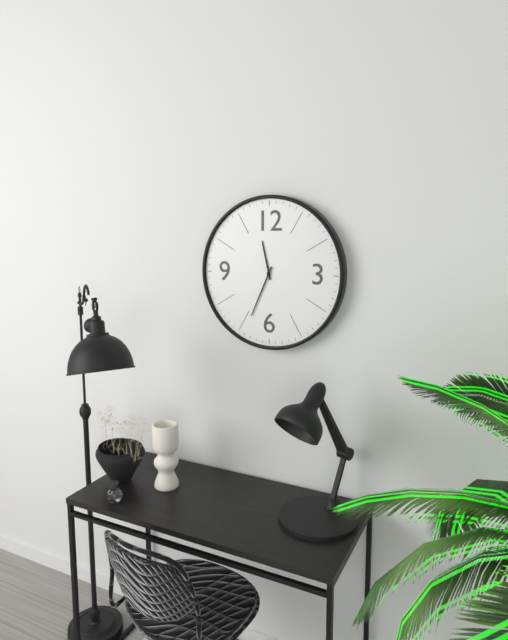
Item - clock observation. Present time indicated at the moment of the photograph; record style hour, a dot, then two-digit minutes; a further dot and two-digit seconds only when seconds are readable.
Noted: 11.34
